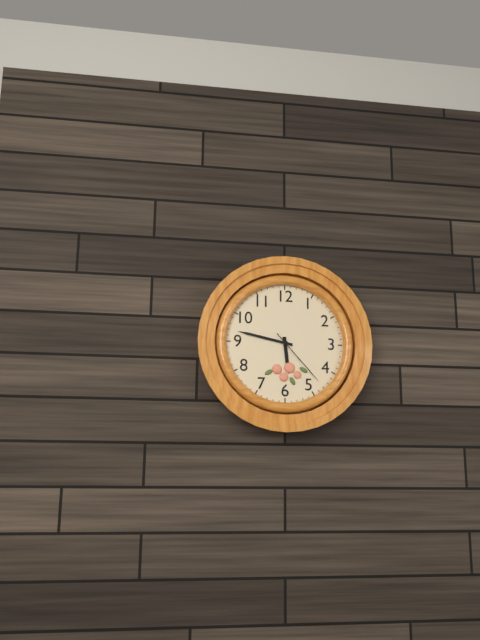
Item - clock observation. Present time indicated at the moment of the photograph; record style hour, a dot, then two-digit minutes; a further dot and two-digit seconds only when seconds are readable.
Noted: 5.47.23
